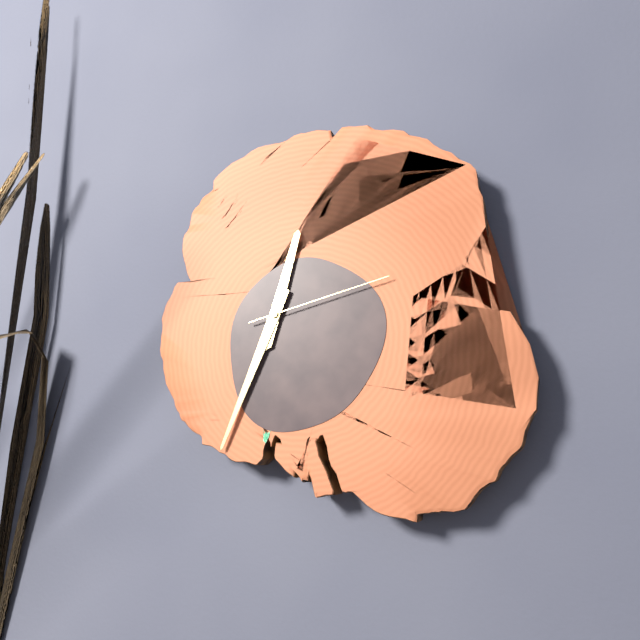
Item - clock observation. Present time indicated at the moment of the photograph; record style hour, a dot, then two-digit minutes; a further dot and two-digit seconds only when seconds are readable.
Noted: 12.34.13
